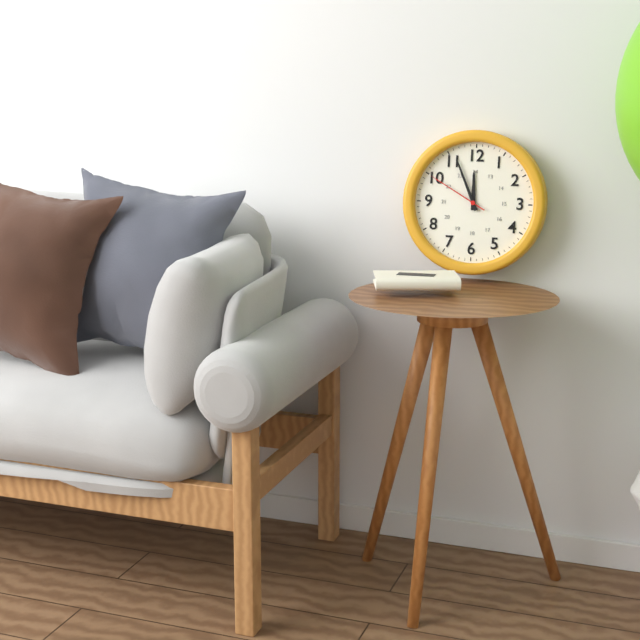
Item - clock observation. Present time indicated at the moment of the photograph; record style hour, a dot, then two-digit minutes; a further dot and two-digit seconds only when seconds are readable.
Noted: 11.56.50
